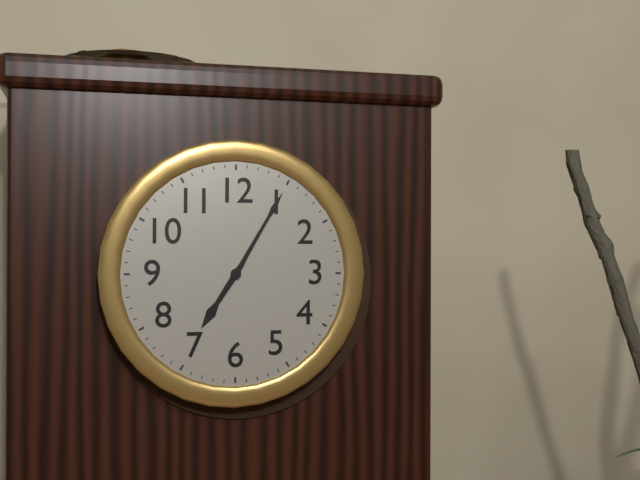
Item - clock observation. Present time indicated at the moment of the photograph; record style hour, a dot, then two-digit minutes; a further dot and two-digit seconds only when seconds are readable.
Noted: 7.05
